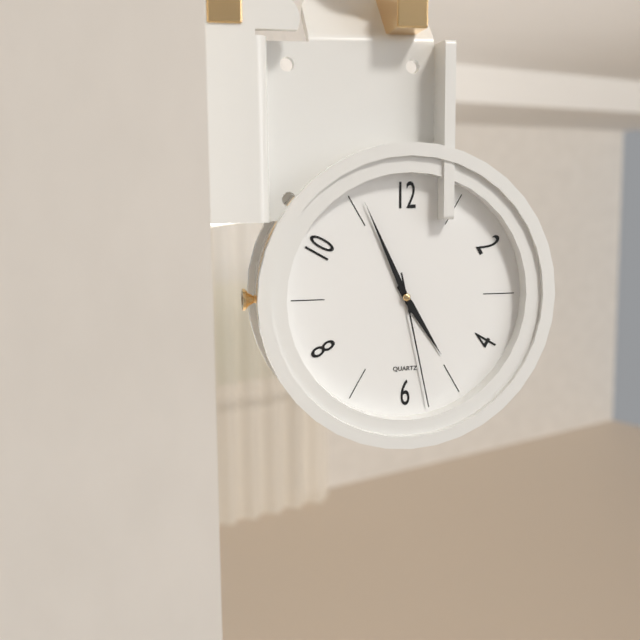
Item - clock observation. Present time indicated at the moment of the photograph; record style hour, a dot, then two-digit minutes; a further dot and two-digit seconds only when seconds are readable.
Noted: 4.56.28
